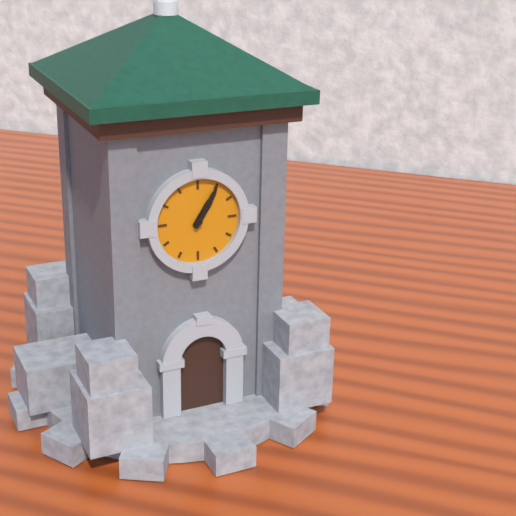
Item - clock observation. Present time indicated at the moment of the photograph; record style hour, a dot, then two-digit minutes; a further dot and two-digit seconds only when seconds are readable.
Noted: 1.05
